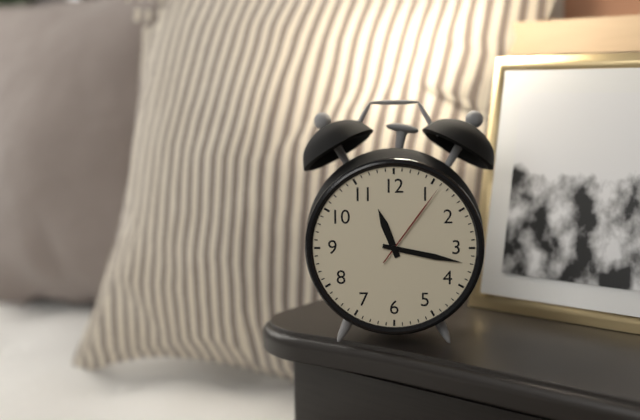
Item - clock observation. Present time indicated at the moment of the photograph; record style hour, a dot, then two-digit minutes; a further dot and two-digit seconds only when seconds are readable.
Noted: 11.17.06
